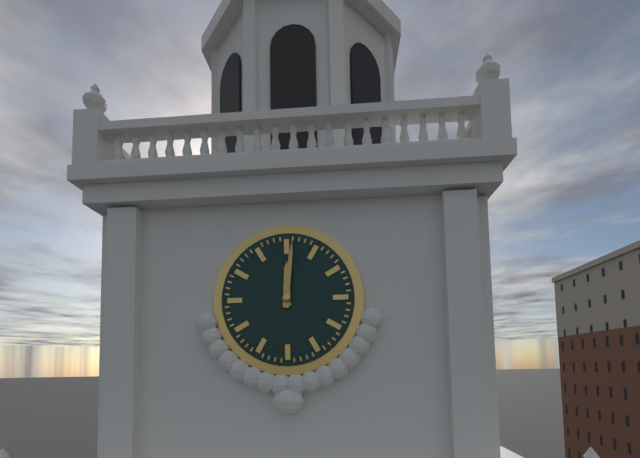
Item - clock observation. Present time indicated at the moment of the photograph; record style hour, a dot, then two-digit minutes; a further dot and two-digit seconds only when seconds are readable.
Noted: 12.01
